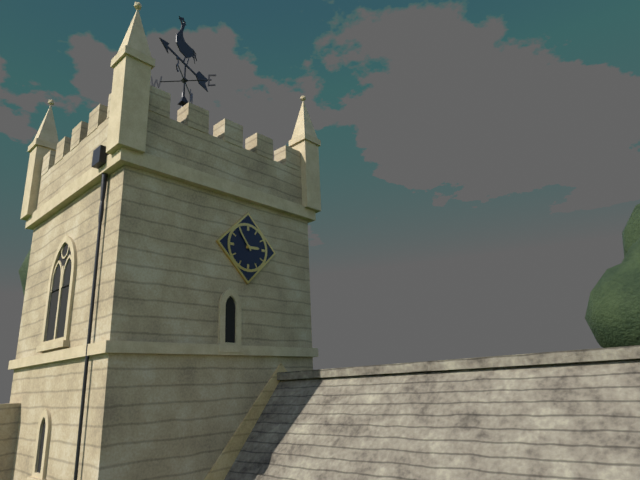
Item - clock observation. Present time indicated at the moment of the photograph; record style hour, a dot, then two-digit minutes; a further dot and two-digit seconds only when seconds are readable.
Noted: 2.54
